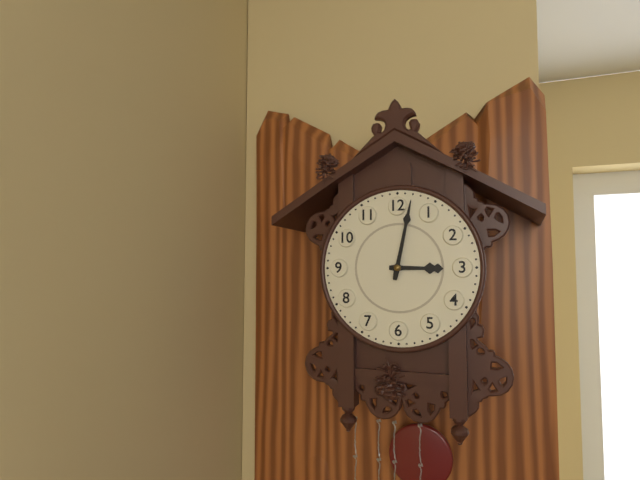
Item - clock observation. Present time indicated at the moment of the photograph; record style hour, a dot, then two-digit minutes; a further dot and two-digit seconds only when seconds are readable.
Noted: 3.02
